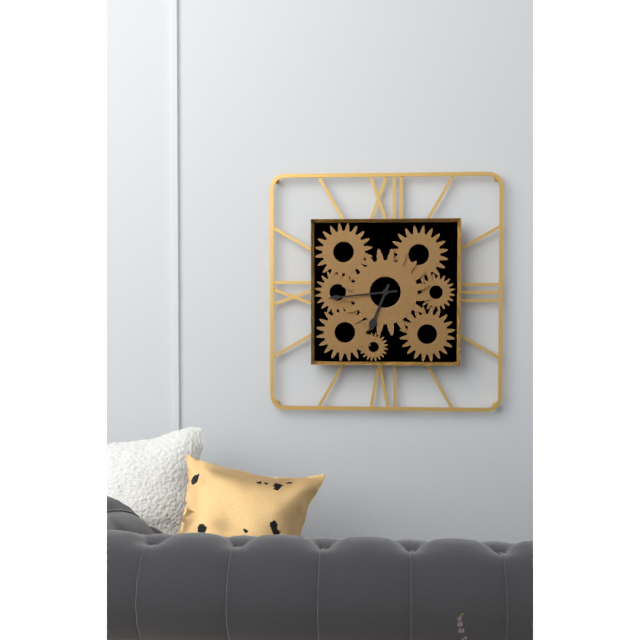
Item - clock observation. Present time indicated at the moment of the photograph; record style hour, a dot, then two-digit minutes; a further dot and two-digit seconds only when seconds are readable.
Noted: 6.44
